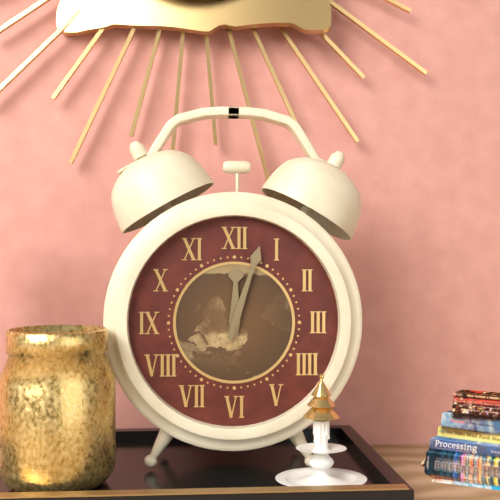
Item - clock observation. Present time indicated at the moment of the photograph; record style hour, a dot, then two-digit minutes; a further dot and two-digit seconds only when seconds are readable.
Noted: 12.03
